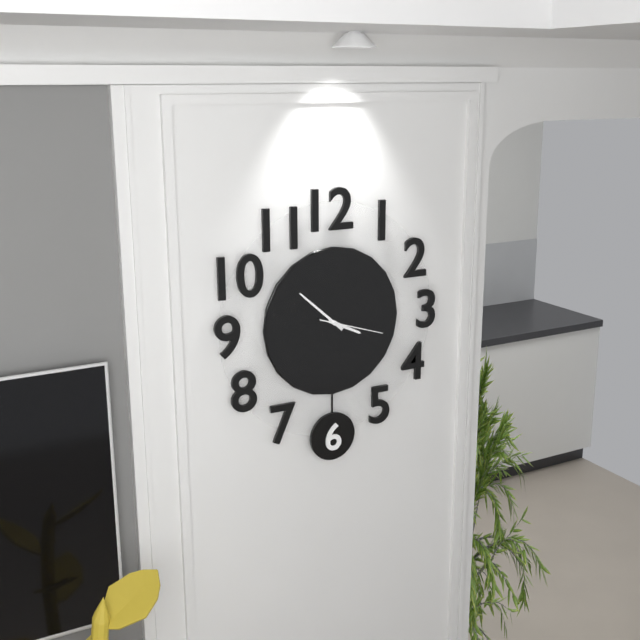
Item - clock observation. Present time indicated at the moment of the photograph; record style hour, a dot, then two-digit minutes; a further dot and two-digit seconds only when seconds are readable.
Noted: 3.52.18
